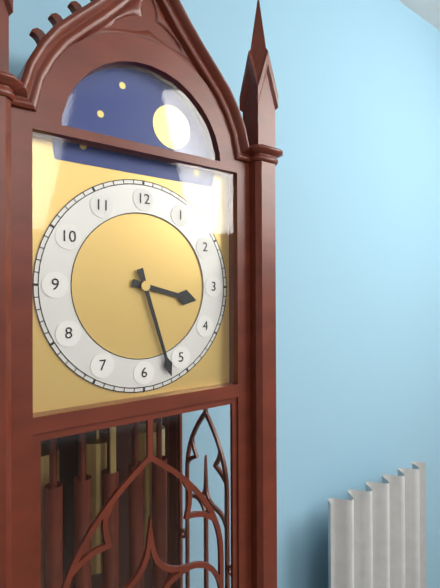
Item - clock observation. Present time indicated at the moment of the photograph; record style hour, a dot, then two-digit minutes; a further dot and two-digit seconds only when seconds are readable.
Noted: 3.27
